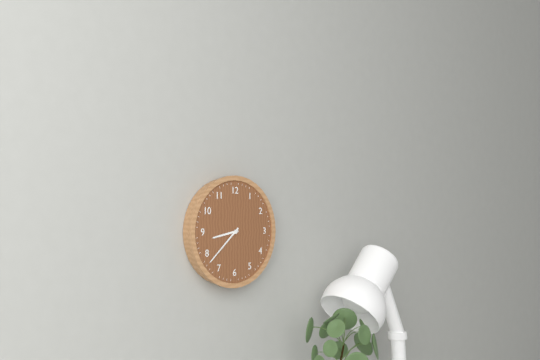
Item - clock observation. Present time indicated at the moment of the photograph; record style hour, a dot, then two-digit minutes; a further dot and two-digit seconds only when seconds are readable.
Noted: 8.38
